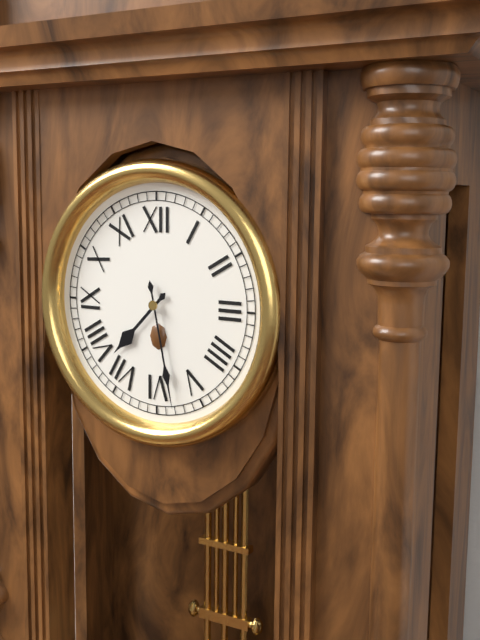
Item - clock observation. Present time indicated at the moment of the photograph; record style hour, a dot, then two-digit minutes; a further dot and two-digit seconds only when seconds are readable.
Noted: 7.28
